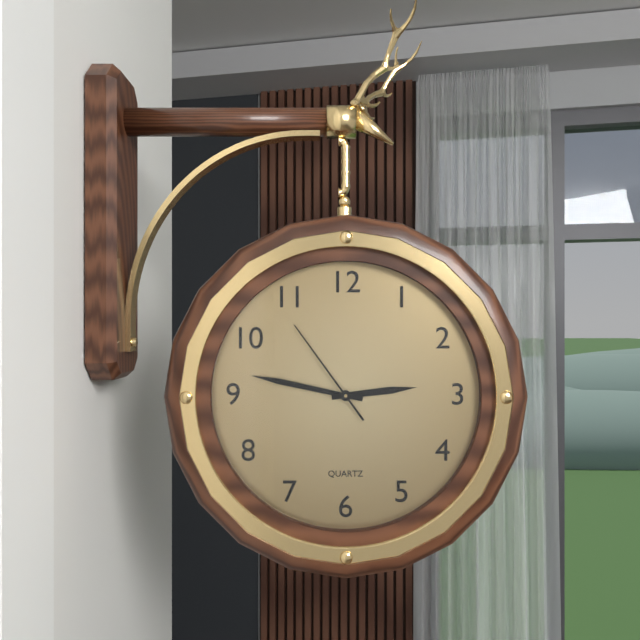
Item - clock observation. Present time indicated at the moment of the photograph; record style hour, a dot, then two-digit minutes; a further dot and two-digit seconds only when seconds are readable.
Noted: 2.47.54
